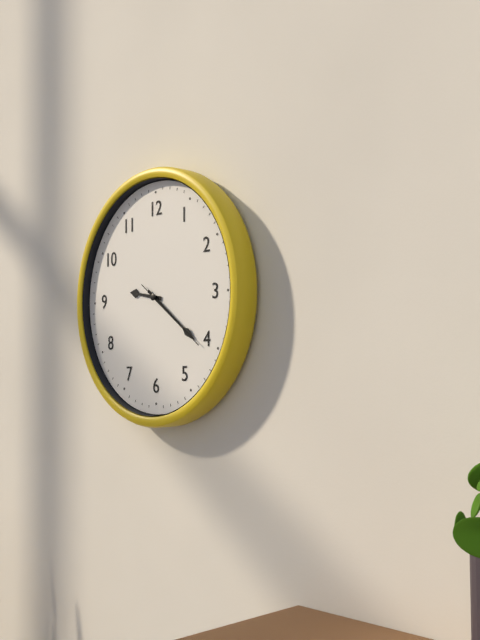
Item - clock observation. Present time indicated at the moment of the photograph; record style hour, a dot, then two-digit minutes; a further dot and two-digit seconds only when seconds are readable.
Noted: 9.21.21
